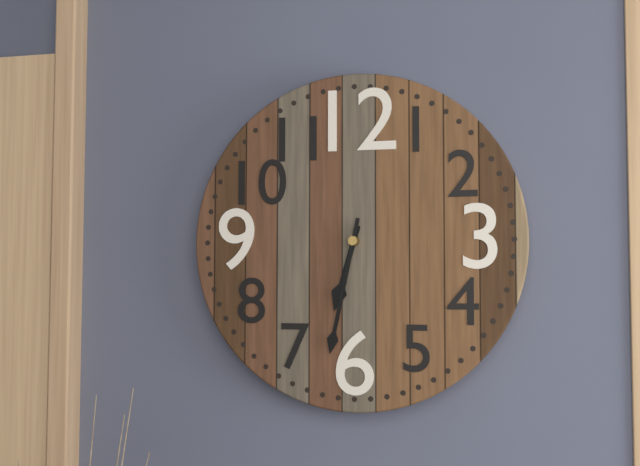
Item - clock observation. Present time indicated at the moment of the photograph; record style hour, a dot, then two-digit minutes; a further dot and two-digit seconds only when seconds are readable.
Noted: 6.32
